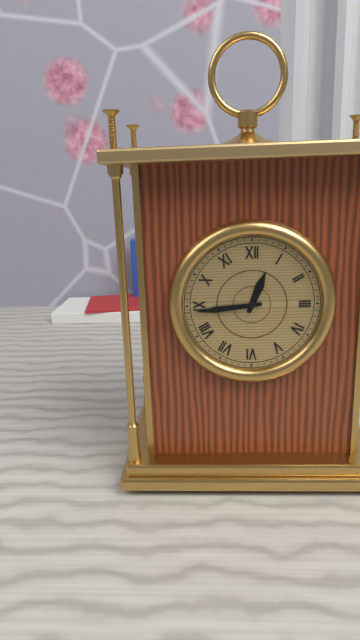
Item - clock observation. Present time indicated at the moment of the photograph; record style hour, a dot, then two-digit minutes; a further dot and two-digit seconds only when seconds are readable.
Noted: 12.44
